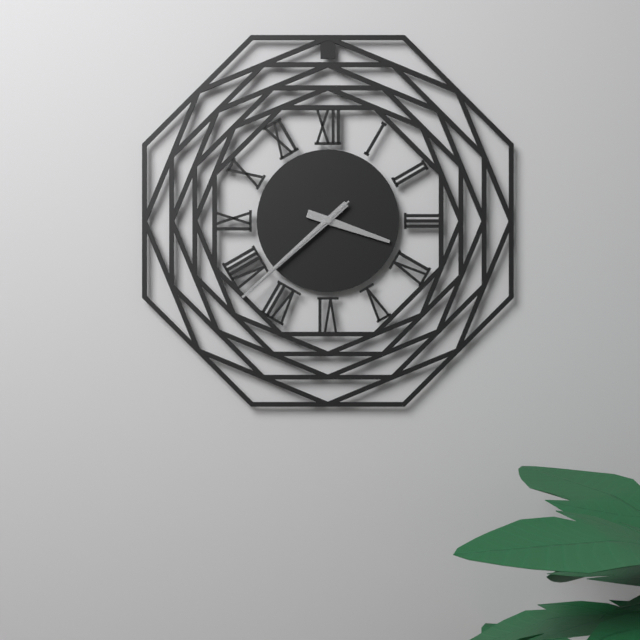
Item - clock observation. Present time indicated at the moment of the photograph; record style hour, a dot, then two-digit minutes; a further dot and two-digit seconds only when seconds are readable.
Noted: 3.38.38
